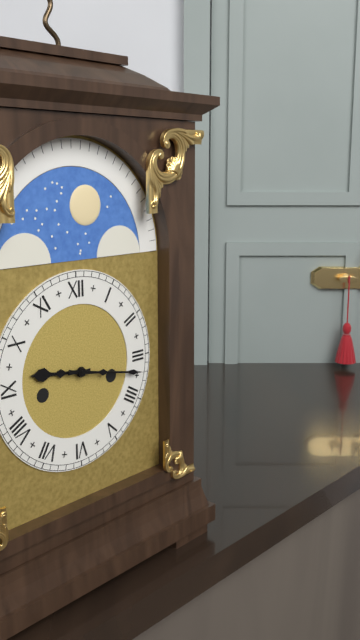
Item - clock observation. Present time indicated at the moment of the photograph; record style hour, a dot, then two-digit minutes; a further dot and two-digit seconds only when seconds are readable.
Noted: 9.17
